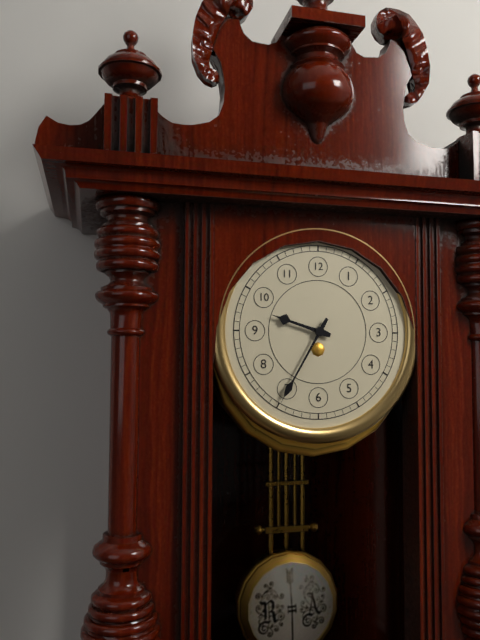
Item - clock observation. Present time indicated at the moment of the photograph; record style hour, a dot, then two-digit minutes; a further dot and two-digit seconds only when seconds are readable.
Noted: 9.35
